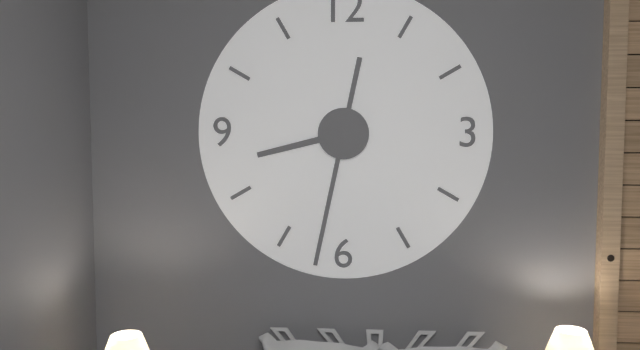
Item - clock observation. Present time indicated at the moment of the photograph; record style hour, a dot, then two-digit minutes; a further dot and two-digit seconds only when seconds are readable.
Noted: 8.32
